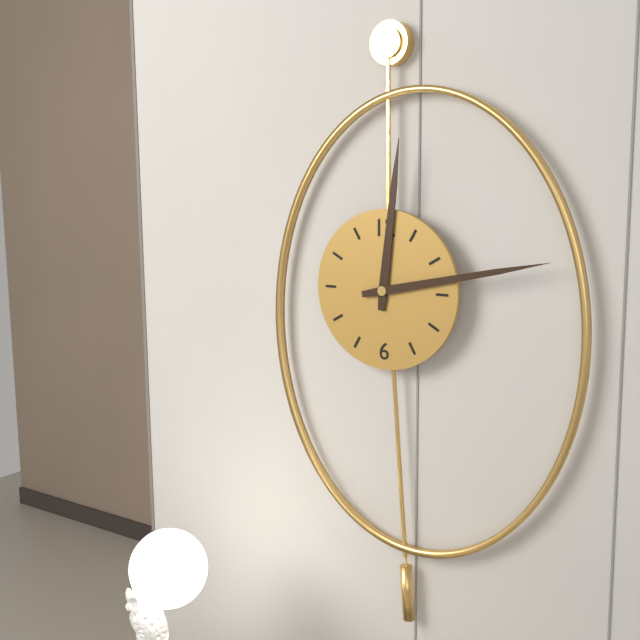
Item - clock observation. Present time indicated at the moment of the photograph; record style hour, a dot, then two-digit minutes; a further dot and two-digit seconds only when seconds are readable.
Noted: 12.13
